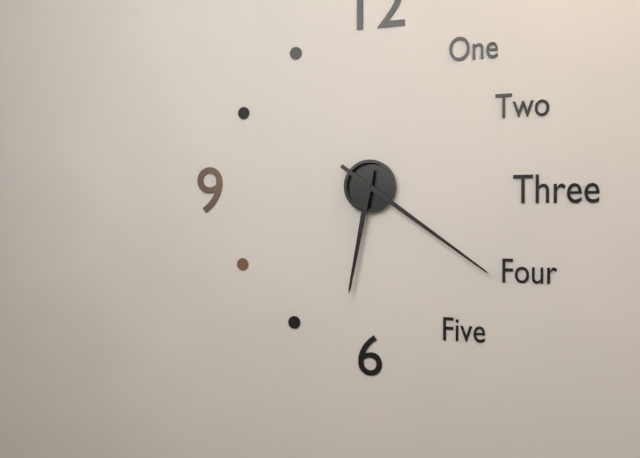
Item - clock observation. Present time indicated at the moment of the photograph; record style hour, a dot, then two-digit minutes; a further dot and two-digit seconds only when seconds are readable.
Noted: 6.21
